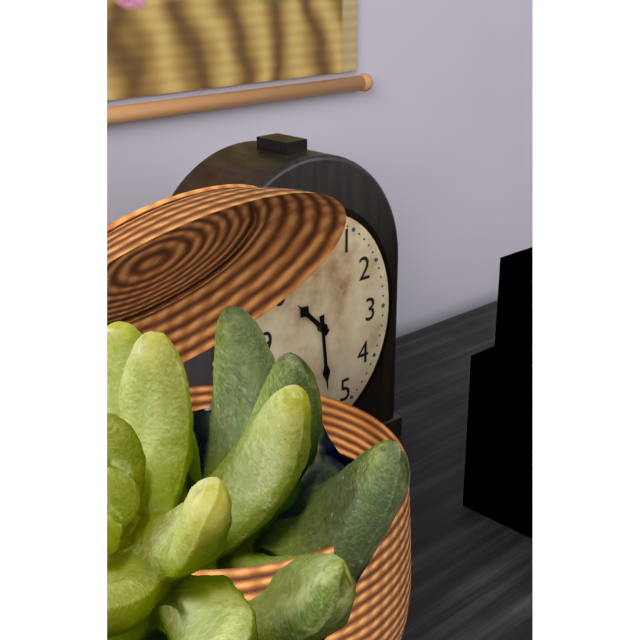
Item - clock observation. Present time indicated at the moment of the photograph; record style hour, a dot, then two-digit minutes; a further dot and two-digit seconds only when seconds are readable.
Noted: 10.29
